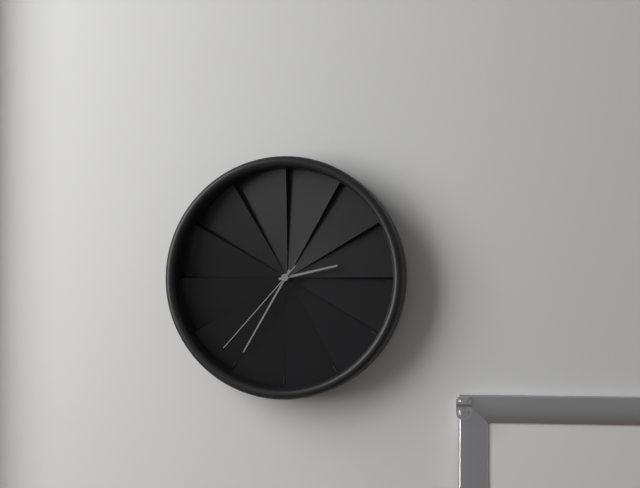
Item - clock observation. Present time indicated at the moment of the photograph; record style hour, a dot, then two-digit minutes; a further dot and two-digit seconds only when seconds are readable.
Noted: 2.35.37
